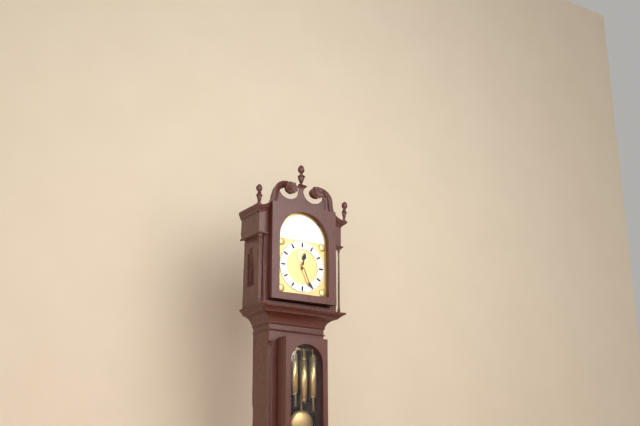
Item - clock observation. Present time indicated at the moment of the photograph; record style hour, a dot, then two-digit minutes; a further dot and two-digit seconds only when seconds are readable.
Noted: 12.26
